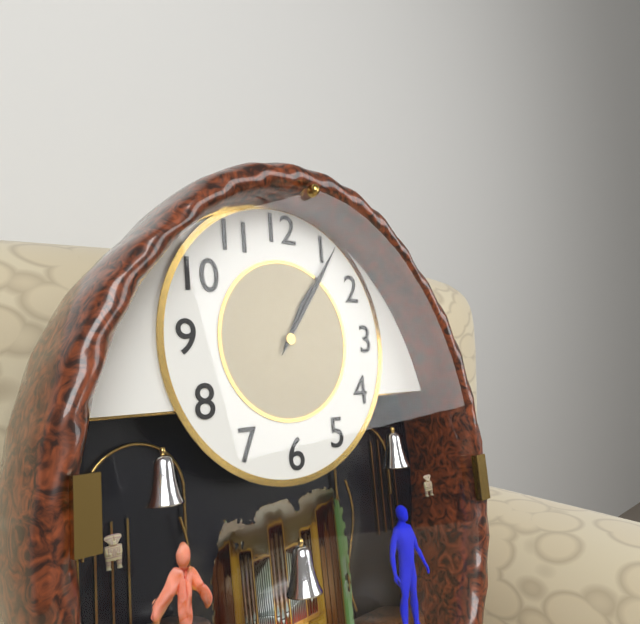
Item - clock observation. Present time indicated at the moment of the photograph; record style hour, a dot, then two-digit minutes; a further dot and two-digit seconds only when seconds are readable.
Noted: 1.06
